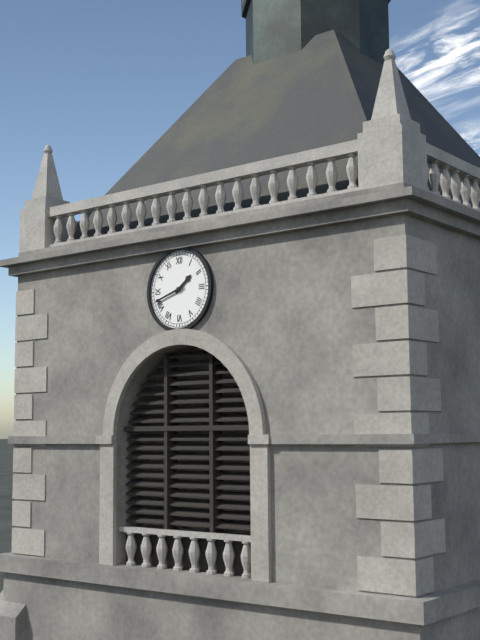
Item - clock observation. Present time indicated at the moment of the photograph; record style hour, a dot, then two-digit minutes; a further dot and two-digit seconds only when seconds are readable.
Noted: 1.42
